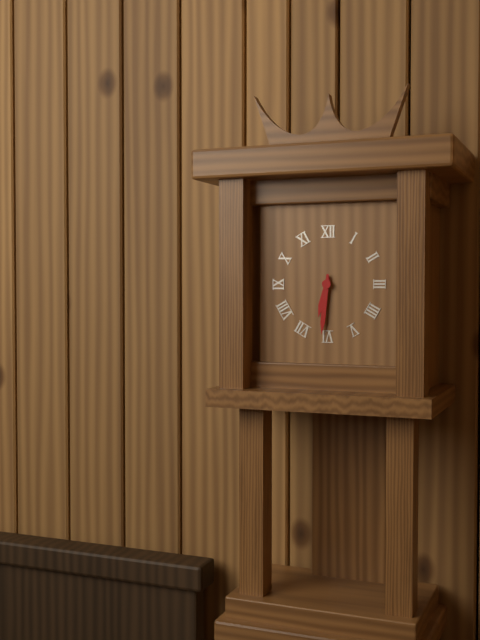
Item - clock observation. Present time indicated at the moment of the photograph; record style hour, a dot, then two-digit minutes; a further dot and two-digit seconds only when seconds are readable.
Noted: 6.31
